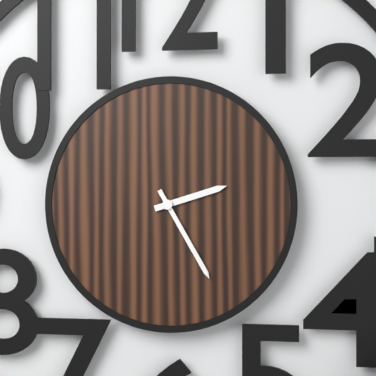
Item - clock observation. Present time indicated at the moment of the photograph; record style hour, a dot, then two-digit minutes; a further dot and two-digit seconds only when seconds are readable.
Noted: 2.25
